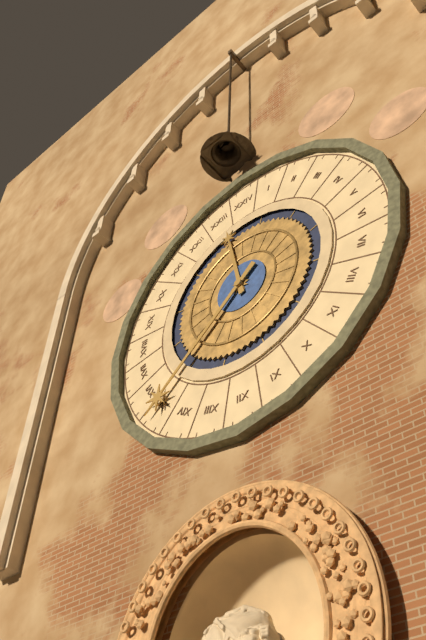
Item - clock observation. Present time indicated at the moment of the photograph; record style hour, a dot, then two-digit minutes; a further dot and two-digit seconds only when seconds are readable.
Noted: 11.38
